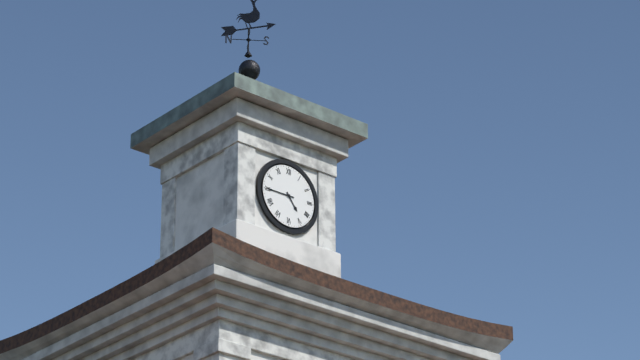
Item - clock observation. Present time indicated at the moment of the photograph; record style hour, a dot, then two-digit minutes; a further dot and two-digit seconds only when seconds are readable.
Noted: 4.45
